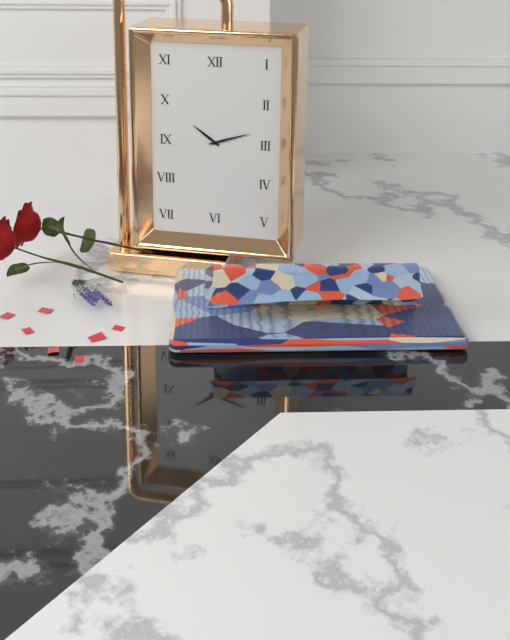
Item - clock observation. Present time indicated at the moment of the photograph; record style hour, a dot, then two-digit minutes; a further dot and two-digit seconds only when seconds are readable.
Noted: 10.12
